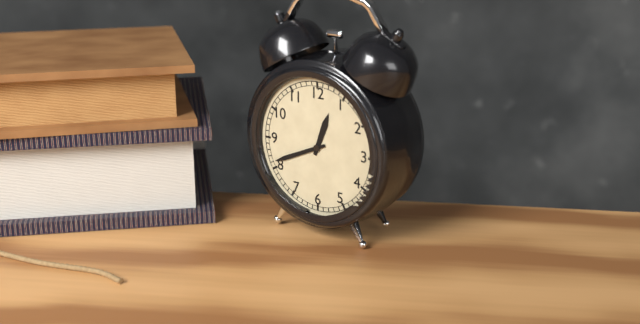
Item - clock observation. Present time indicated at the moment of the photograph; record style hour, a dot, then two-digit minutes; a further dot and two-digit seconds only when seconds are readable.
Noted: 12.41
